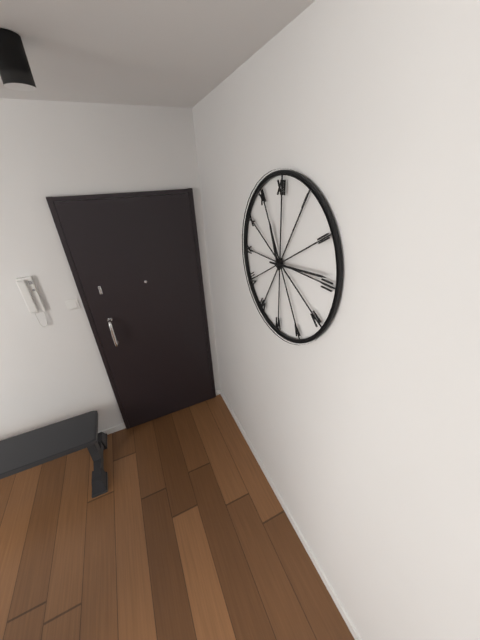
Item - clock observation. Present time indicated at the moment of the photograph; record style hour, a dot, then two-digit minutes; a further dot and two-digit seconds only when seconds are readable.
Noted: 11.14
